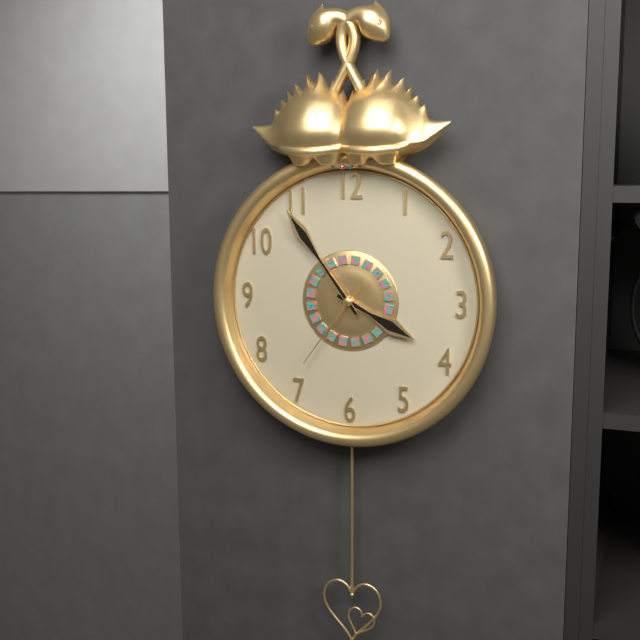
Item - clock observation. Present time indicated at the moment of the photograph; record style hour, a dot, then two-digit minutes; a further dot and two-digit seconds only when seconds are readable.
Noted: 3.54.36
